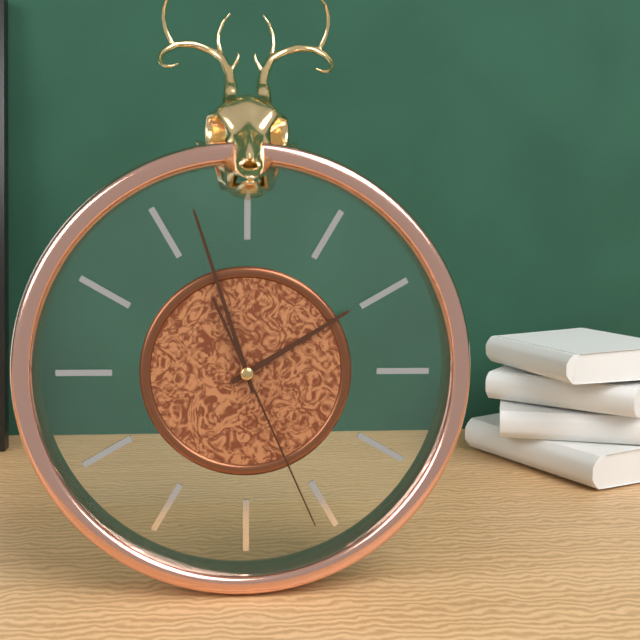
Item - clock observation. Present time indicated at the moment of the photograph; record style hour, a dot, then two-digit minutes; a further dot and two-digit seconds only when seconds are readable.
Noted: 1.57.26
